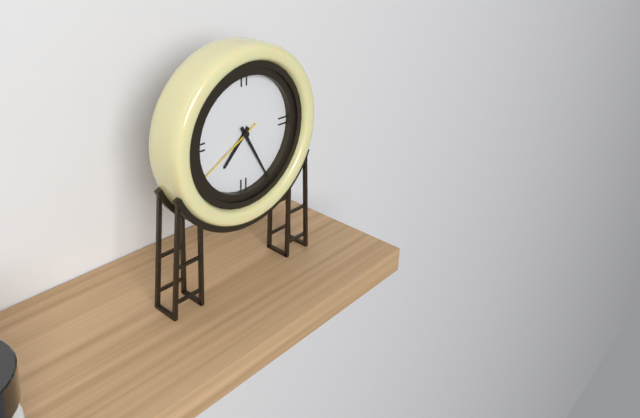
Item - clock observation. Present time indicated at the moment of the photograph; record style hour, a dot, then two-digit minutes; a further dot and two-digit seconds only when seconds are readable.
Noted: 7.25.40
